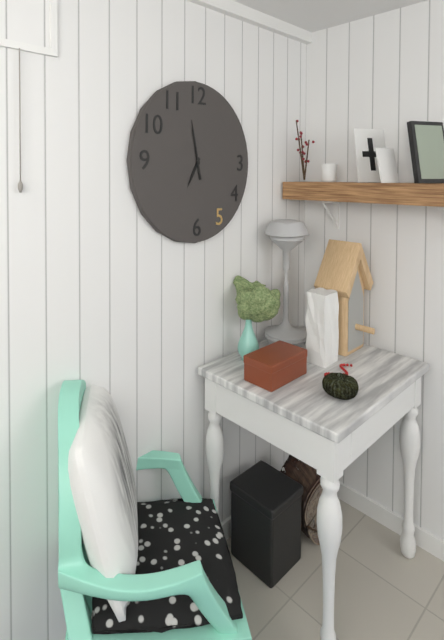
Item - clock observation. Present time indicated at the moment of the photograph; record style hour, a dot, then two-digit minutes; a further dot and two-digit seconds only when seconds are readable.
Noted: 6.58
